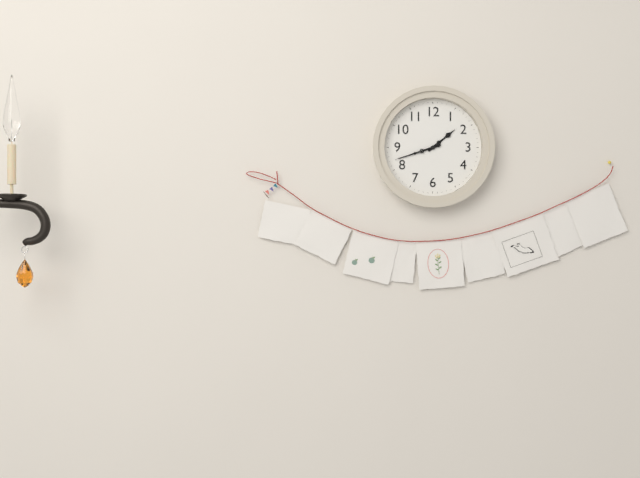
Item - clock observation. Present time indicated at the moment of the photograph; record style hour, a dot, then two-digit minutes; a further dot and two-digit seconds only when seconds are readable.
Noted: 1.42
